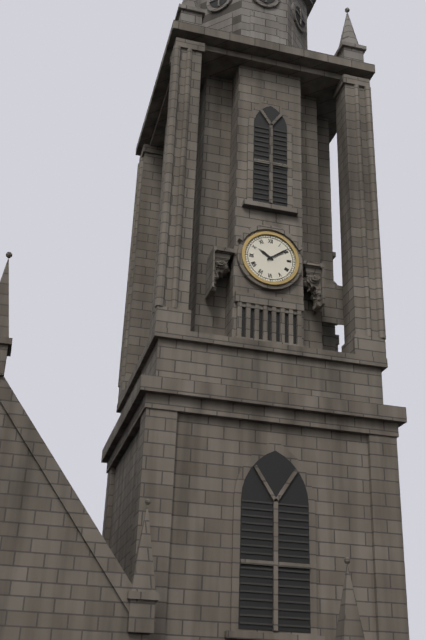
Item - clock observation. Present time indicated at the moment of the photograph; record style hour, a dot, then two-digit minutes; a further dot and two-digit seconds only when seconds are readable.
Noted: 10.09
